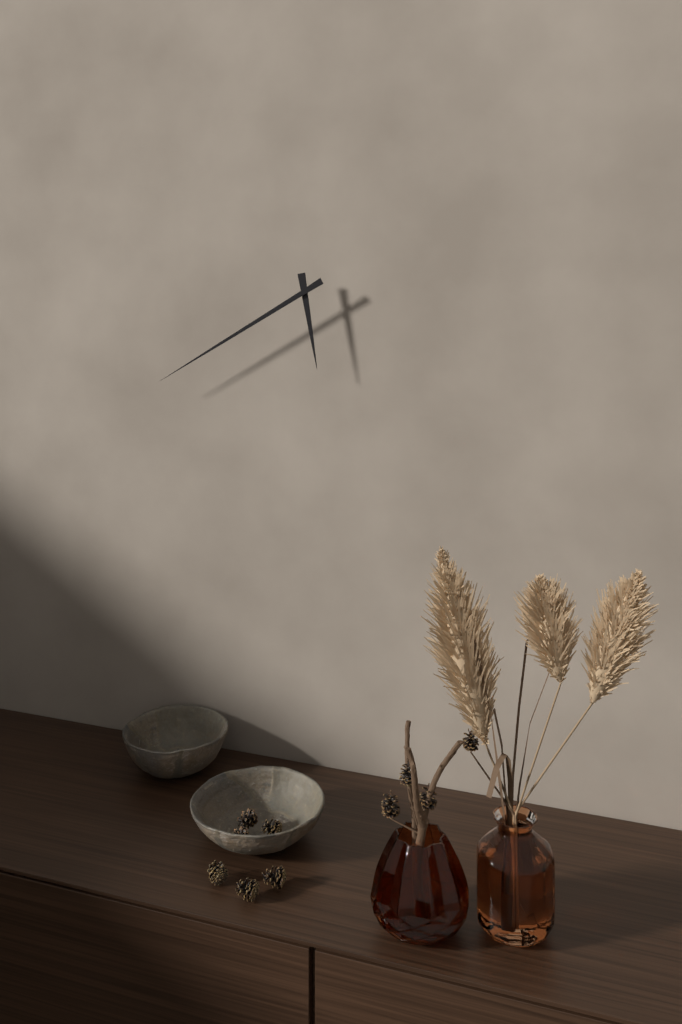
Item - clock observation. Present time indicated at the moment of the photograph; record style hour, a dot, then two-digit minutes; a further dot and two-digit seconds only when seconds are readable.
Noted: 5.40
